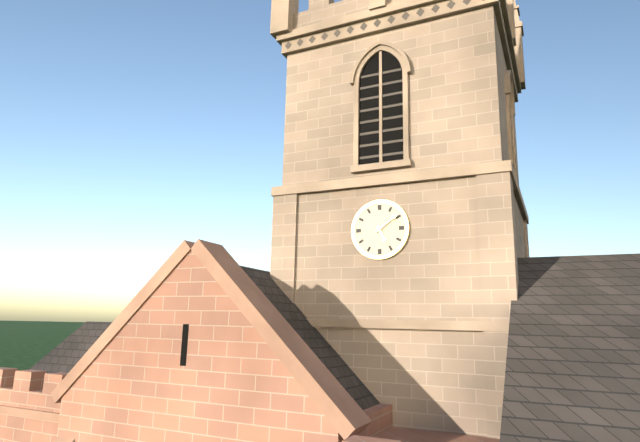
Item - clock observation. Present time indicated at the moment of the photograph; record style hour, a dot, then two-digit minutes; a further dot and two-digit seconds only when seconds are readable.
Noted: 5.09
